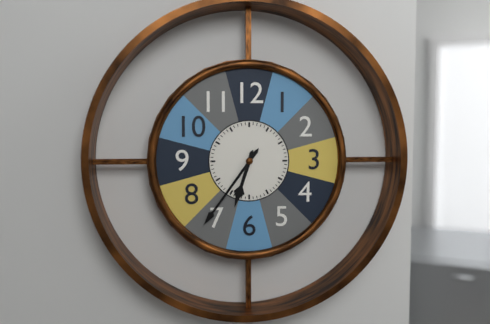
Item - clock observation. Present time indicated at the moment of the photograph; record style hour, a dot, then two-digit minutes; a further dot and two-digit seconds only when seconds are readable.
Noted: 6.36
